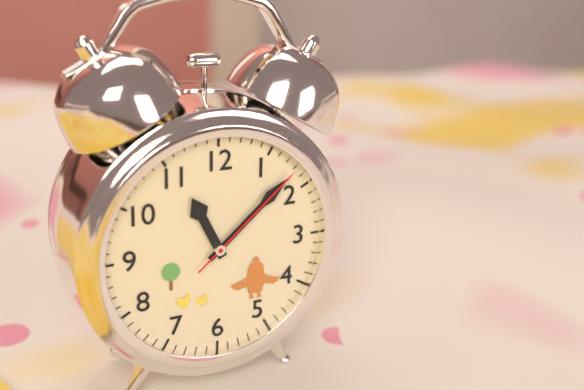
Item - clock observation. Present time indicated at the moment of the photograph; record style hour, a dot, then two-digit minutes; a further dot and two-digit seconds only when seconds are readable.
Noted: 11.08.08
